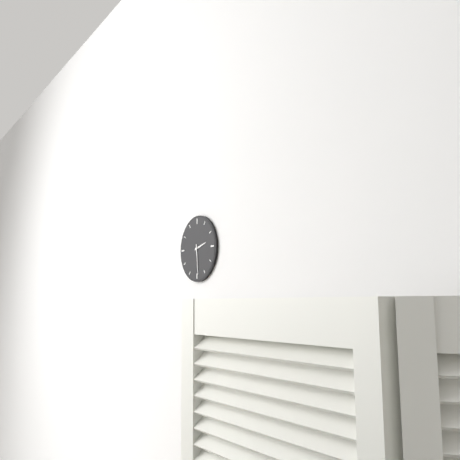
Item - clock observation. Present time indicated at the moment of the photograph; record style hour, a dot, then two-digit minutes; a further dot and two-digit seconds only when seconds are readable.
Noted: 2.29
